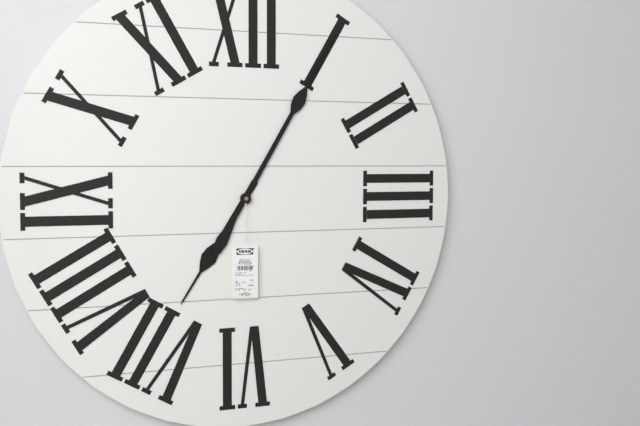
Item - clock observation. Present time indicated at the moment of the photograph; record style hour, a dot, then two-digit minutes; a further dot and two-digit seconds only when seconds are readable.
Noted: 7.05
